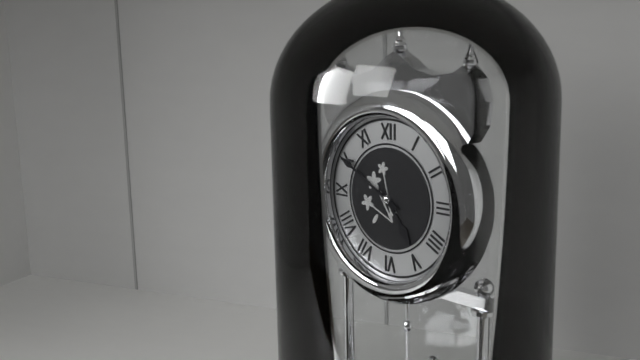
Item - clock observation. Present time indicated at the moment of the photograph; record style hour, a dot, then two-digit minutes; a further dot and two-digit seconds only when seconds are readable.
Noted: 4.50
